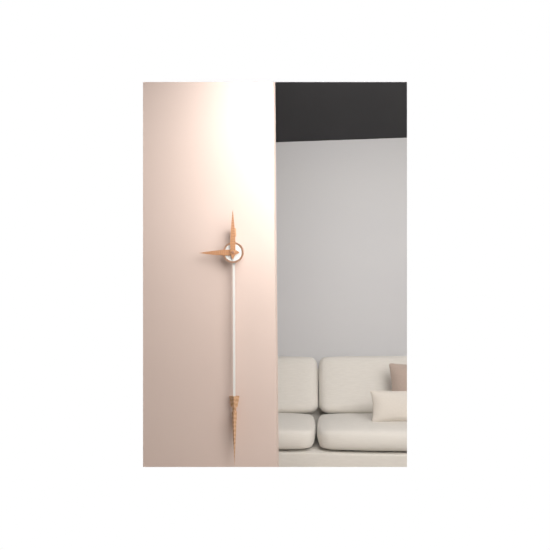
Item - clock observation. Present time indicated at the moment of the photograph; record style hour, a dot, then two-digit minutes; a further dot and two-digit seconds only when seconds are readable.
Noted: 9.00
